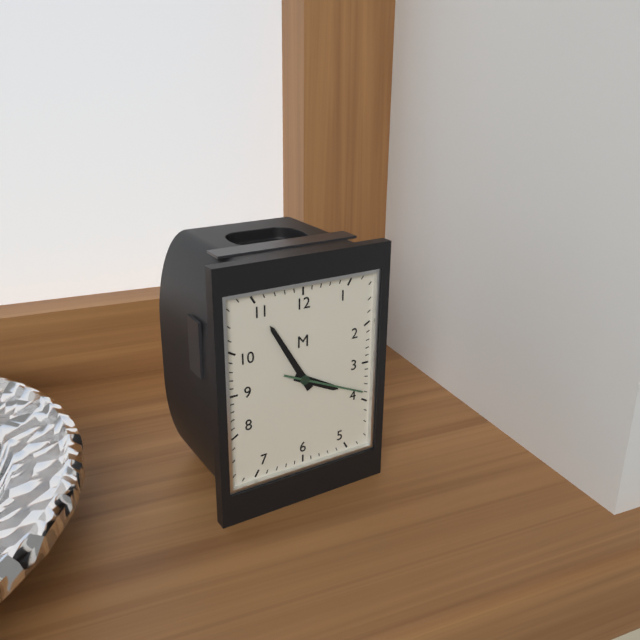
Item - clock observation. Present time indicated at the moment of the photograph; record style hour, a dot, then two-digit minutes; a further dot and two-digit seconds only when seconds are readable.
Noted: 3.55.19
